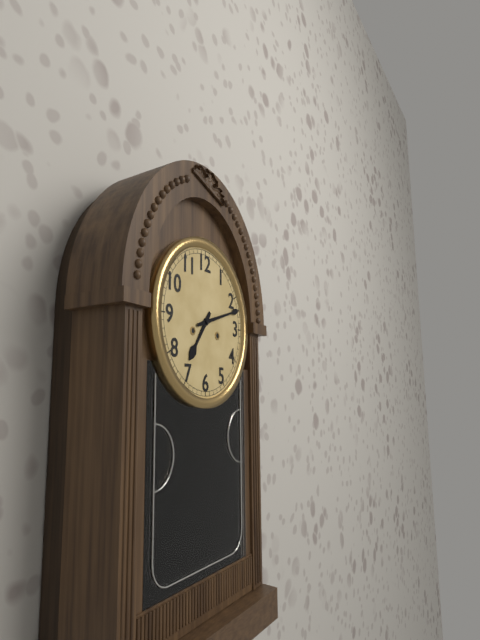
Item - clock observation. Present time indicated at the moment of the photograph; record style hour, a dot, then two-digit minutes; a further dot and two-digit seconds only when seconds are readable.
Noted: 7.12
